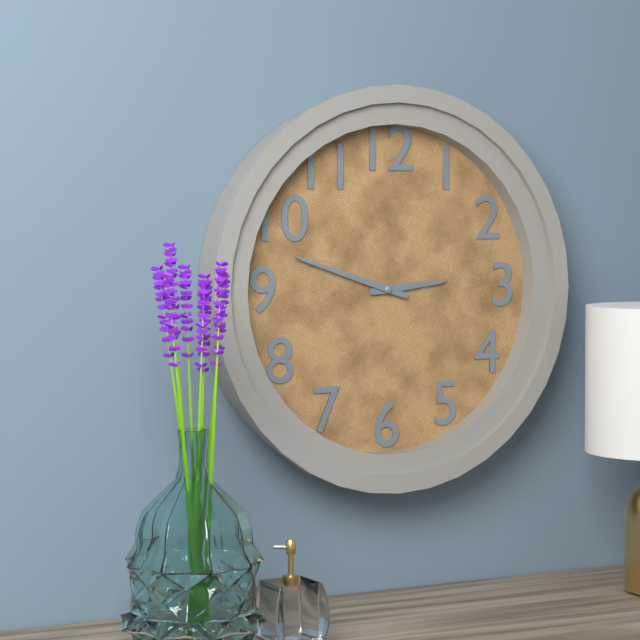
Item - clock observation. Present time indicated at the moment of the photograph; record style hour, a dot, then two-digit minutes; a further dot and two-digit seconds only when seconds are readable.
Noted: 2.48
